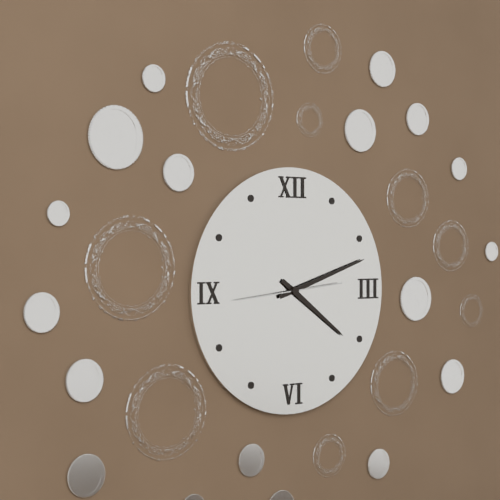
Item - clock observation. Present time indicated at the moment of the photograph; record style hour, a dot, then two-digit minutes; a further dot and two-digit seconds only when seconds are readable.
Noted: 4.12.44
